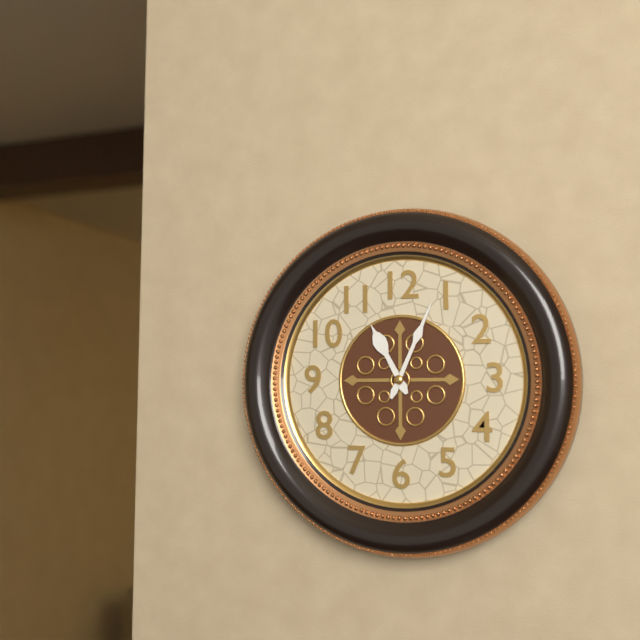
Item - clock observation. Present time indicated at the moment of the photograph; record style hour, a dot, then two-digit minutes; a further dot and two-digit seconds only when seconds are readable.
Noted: 11.04
